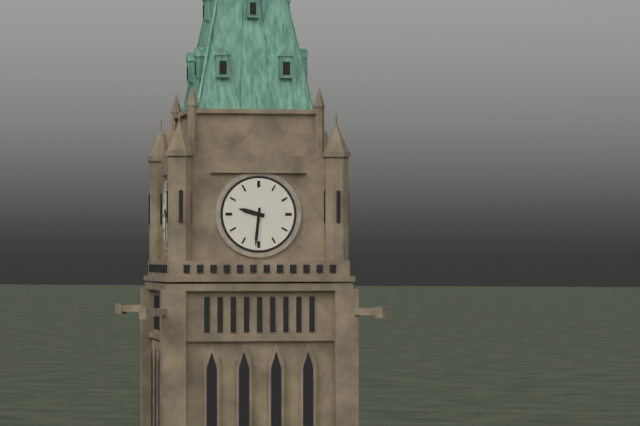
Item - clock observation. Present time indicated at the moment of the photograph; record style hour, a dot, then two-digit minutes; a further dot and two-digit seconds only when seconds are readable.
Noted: 9.31
